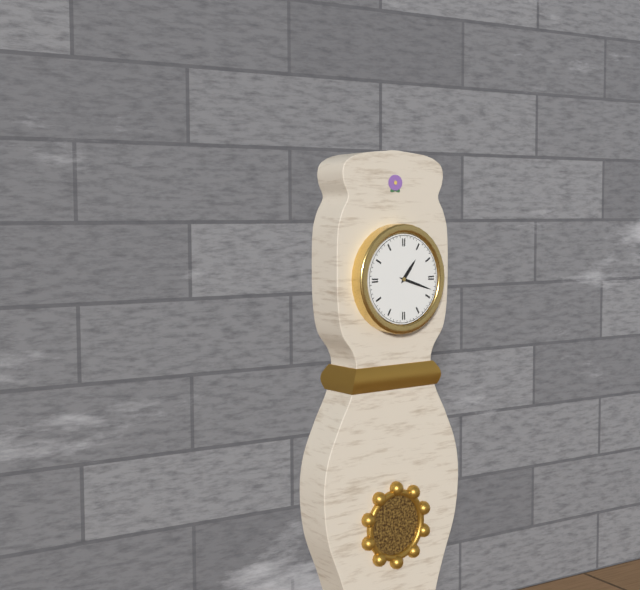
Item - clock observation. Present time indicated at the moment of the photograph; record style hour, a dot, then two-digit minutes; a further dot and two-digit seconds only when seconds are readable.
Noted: 1.18
